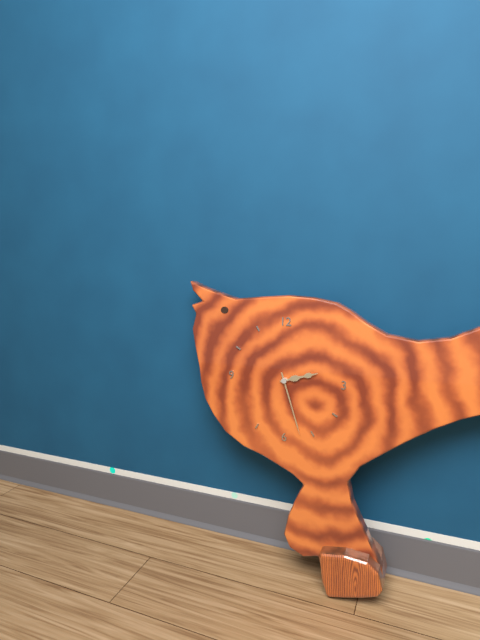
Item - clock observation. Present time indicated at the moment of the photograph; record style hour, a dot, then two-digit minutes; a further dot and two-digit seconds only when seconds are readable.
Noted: 2.27
